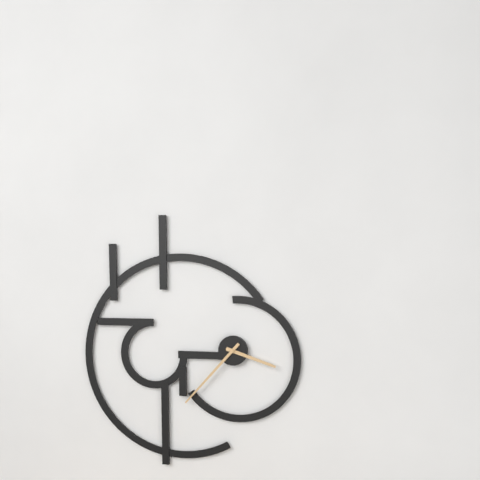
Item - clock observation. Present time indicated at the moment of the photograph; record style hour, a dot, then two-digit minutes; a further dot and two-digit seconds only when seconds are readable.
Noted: 3.37
